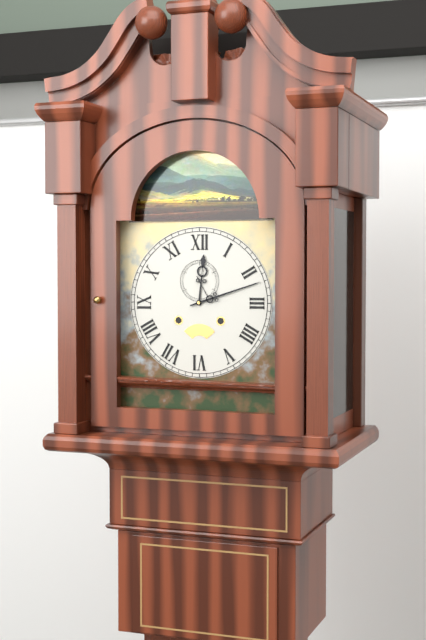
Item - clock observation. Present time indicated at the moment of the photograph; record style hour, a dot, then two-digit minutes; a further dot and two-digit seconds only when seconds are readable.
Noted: 12.12
